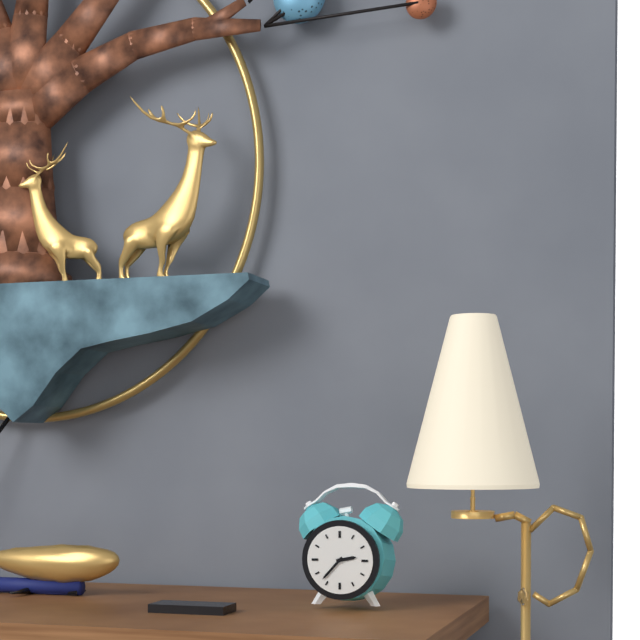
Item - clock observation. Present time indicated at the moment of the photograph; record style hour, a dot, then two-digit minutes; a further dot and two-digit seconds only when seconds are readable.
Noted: 2.37
